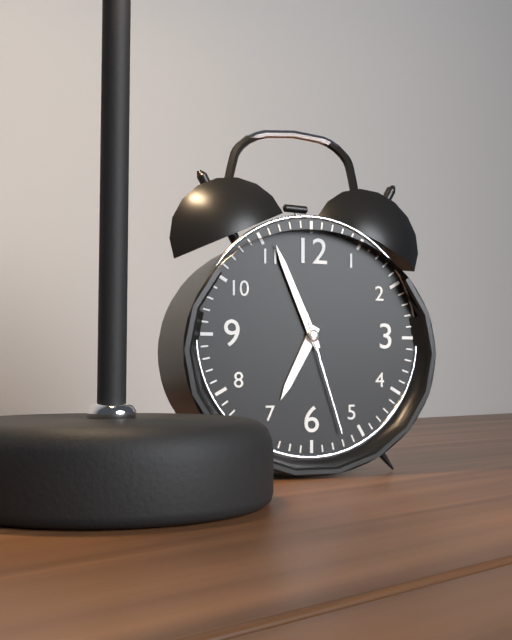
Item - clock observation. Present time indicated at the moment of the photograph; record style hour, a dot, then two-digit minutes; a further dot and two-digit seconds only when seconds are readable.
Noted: 6.56.27
